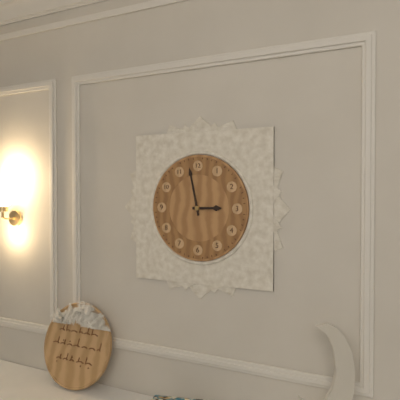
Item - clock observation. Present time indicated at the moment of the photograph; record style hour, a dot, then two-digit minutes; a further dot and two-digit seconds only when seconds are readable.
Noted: 2.58
